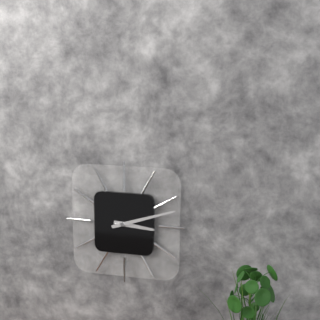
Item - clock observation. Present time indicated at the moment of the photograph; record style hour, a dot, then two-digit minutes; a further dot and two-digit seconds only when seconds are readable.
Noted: 3.12
